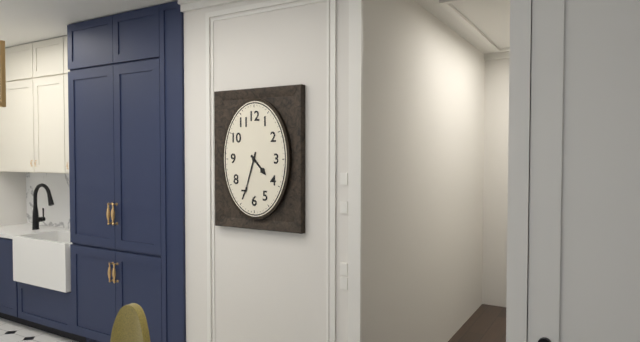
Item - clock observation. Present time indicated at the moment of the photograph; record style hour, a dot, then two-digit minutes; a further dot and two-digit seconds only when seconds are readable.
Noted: 4.33
